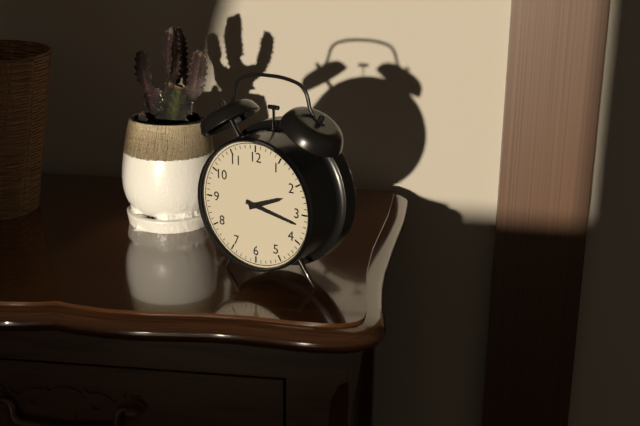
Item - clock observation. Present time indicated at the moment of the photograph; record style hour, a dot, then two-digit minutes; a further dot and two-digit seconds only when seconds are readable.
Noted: 2.17
